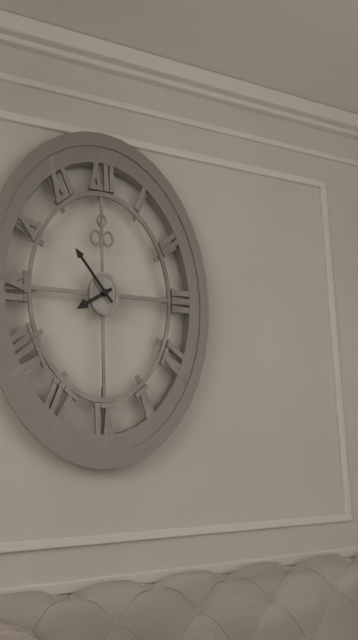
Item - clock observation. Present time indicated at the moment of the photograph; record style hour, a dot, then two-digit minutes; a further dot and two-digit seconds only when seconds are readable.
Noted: 7.54
